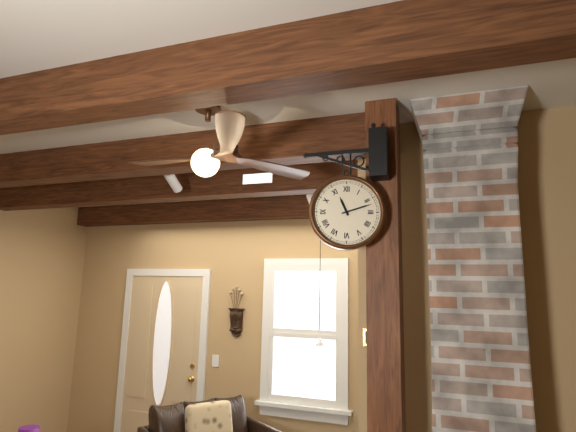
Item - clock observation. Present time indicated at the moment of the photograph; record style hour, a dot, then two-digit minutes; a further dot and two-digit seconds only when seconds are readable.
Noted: 11.12
